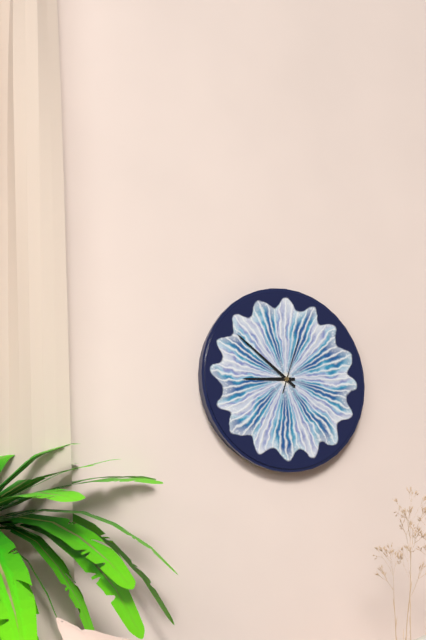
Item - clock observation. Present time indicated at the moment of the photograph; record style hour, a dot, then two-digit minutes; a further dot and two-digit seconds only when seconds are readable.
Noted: 8.51.03
